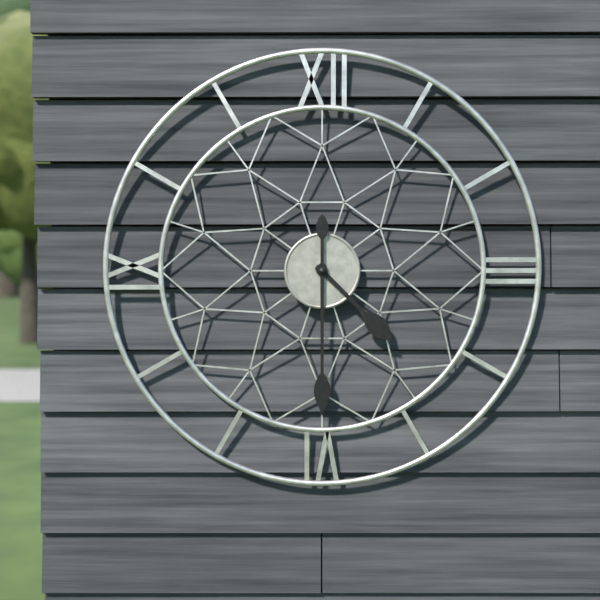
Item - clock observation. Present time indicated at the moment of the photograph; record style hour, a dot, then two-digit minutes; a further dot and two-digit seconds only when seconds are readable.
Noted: 4.30
